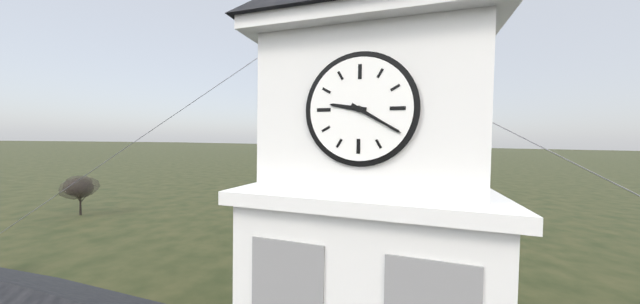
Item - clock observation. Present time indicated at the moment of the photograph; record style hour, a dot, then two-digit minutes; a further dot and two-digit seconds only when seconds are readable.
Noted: 9.20
